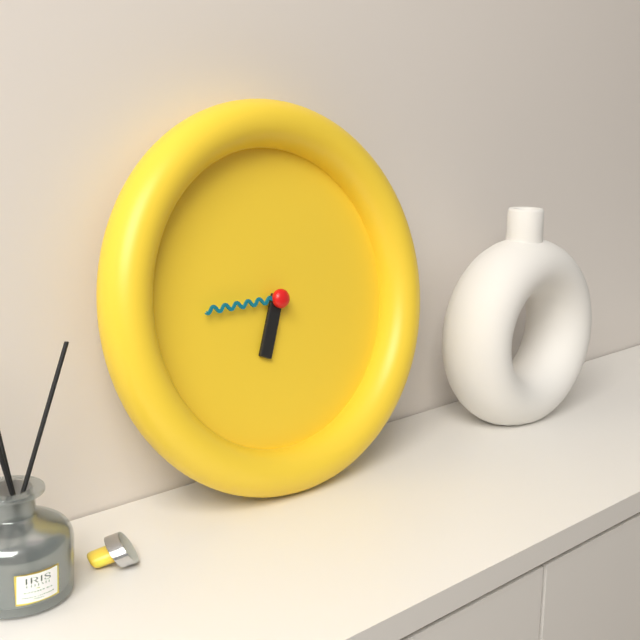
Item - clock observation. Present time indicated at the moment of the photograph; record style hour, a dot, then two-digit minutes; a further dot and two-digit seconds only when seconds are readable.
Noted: 6.45
